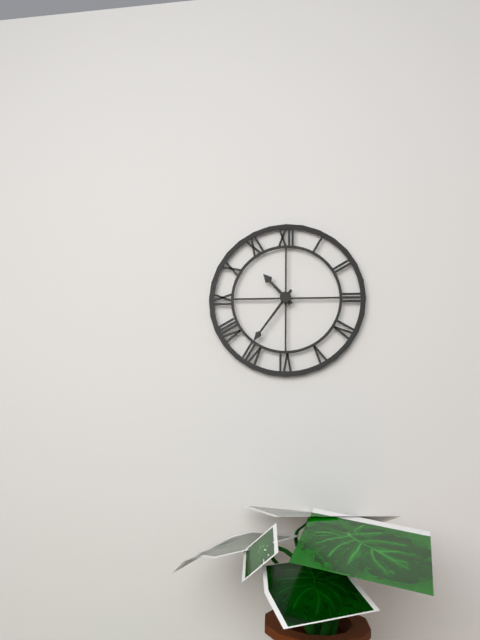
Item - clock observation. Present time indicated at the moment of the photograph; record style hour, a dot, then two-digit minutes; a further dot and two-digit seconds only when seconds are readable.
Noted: 10.36
